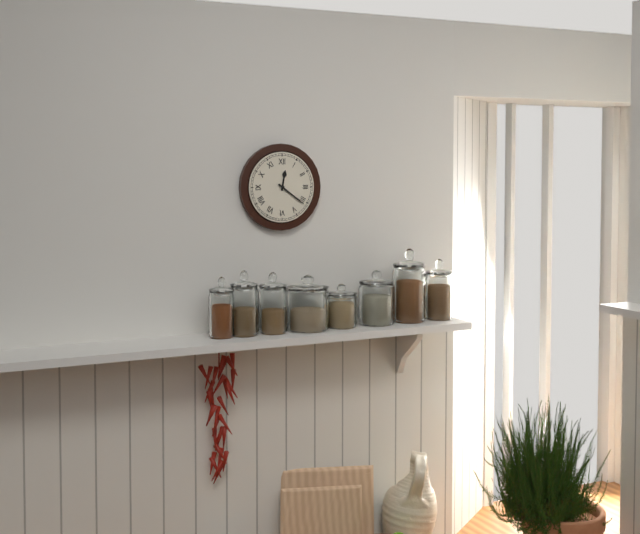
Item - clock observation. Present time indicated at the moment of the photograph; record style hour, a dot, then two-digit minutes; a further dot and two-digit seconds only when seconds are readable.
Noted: 12.21
